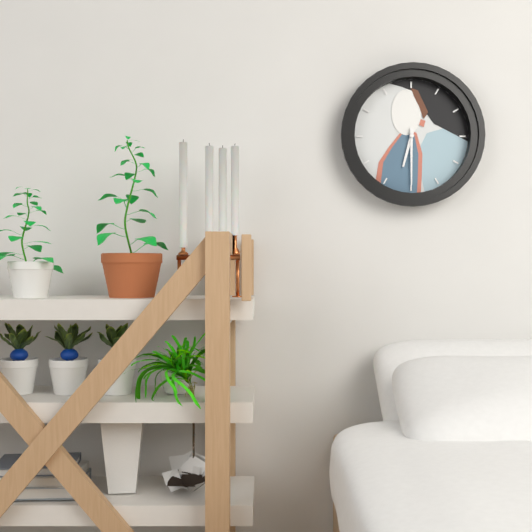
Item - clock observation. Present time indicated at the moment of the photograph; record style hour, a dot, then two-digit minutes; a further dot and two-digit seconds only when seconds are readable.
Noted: 6.30
